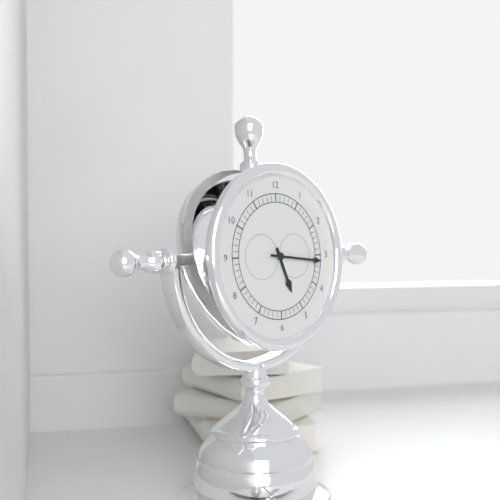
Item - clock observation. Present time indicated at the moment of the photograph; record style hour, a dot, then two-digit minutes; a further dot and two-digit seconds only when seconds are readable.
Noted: 5.16
